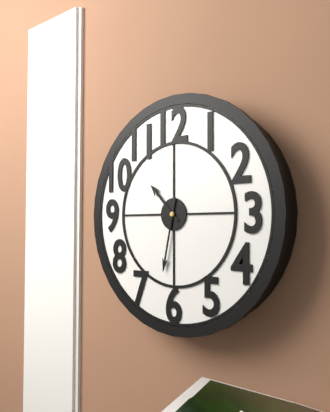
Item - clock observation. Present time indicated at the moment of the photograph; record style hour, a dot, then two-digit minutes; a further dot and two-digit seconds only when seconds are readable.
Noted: 10.32
